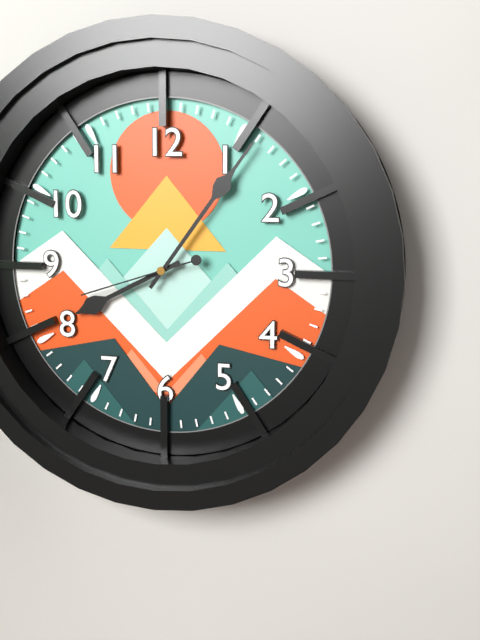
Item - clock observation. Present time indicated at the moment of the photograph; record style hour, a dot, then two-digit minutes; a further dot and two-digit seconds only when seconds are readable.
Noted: 8.06.42
